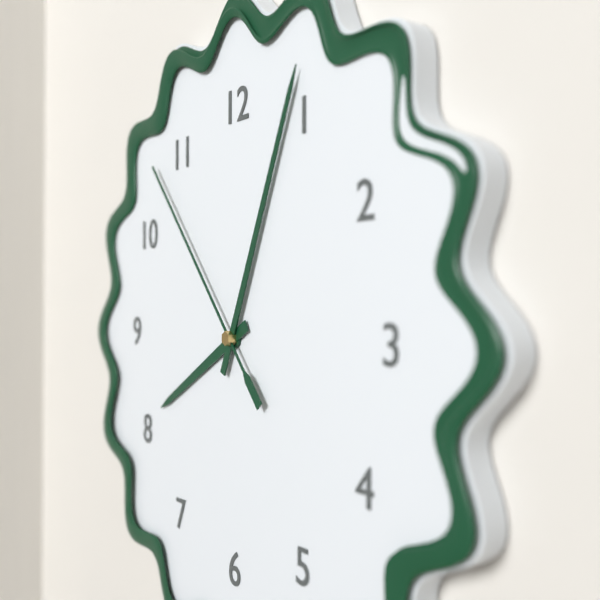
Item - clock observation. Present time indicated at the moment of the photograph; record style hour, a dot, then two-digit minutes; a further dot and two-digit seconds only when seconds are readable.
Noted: 8.04.53
